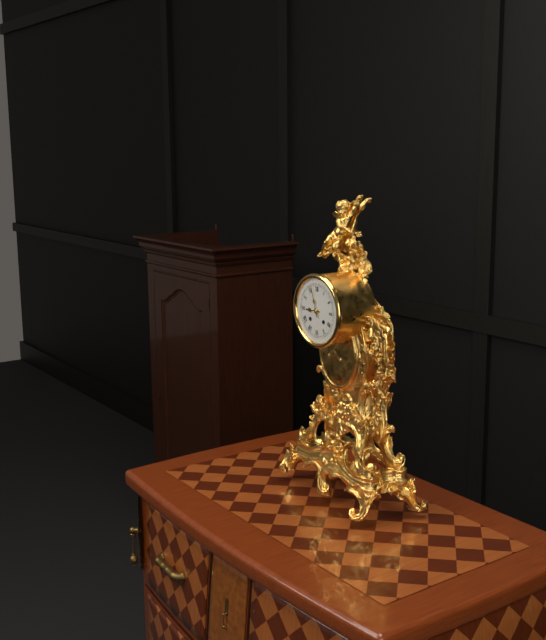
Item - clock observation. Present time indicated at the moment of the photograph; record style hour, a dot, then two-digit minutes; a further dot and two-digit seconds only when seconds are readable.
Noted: 8.57
